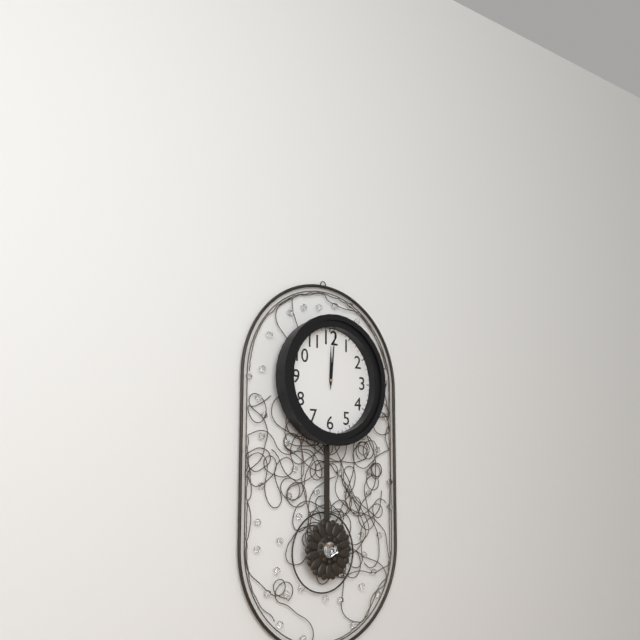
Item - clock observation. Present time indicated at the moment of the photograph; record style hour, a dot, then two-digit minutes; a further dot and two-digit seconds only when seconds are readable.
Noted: 12.01
